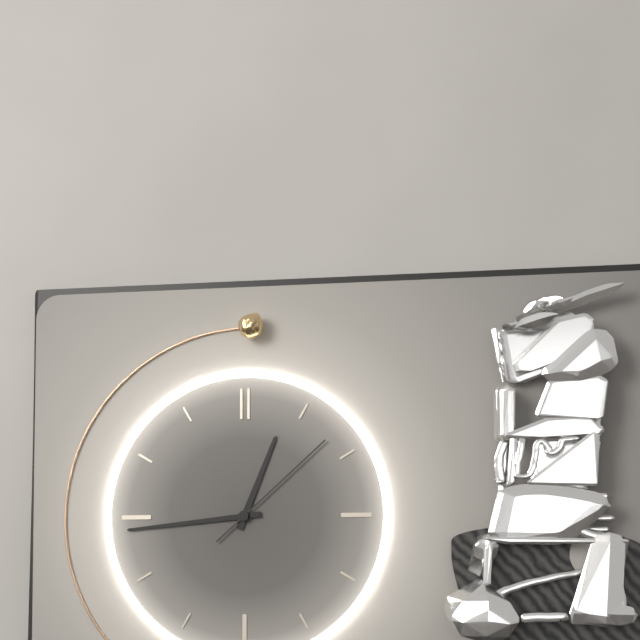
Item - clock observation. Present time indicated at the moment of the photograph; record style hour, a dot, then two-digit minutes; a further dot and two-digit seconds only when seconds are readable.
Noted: 12.44.08
